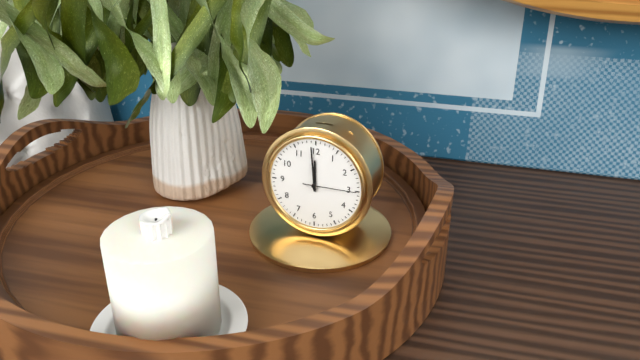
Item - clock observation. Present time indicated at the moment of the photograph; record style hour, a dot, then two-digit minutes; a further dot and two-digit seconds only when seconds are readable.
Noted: 11.59.15
